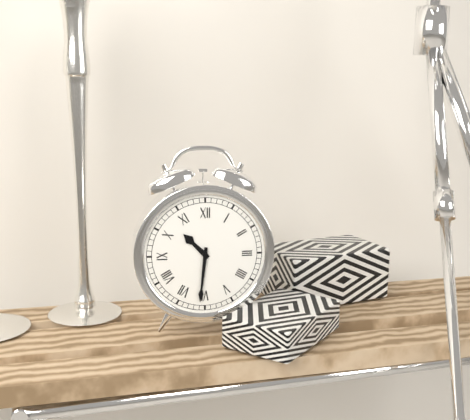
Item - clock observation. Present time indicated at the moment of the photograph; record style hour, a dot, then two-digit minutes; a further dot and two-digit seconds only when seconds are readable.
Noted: 10.31
